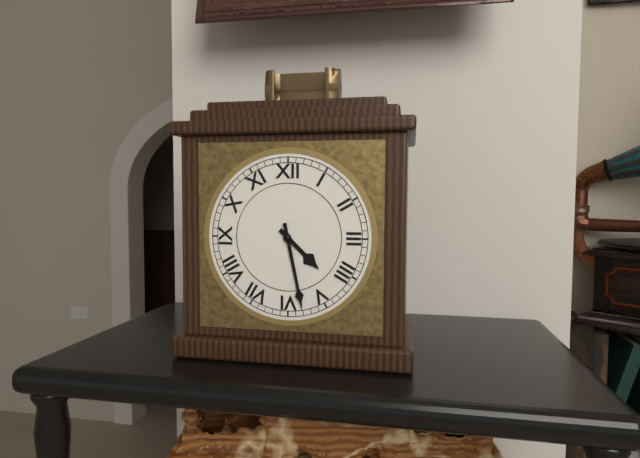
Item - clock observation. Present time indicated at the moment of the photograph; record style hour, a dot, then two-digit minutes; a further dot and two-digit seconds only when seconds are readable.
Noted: 4.28
